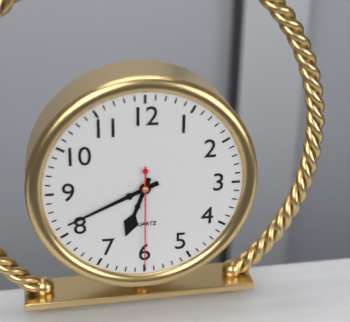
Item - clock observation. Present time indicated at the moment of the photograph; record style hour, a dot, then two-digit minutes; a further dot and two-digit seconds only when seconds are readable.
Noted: 6.41.30
